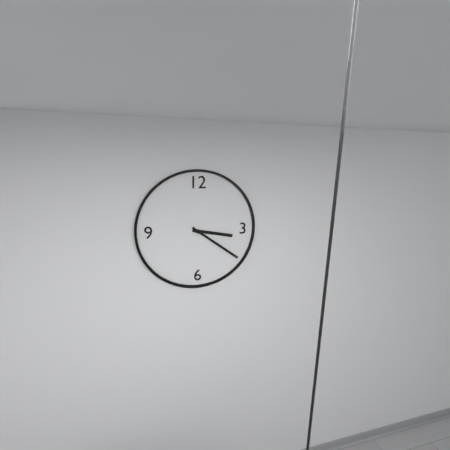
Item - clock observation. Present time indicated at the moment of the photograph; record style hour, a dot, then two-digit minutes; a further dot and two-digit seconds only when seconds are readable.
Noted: 3.21
